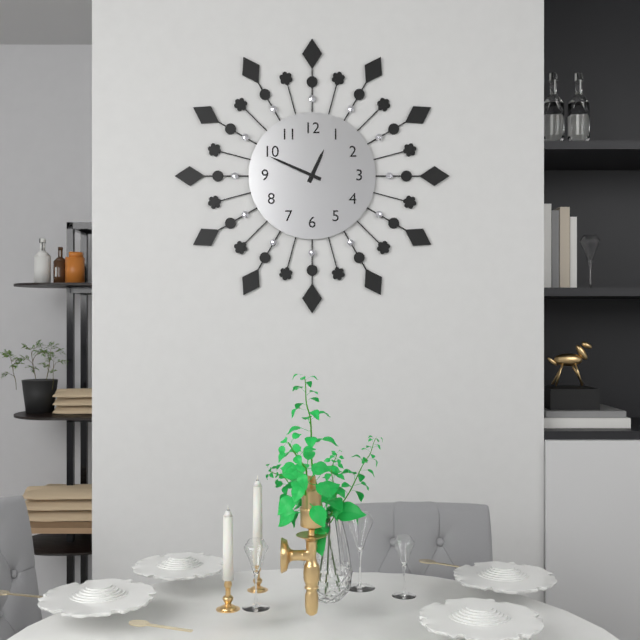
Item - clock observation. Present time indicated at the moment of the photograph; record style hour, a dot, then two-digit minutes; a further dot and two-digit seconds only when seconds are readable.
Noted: 12.49
